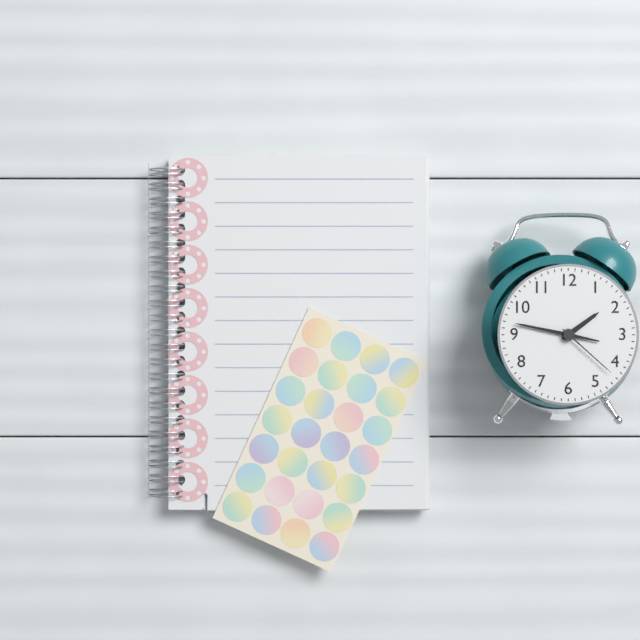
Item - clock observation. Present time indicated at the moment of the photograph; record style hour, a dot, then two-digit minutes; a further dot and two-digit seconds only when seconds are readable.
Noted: 1.47.22
